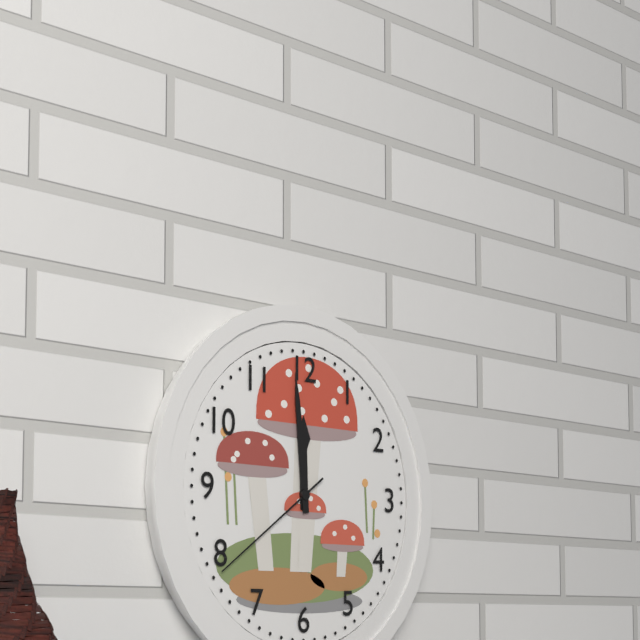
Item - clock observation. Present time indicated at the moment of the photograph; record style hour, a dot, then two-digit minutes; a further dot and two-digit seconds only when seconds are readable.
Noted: 11.59.39
